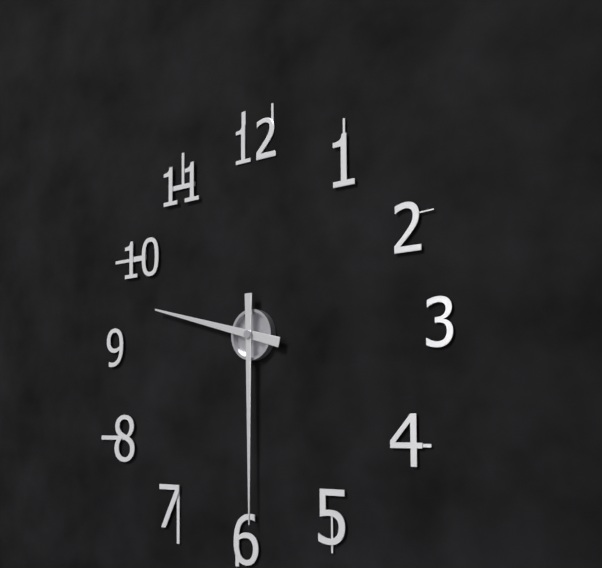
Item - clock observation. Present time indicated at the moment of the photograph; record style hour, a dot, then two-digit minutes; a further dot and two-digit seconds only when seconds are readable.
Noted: 9.30
